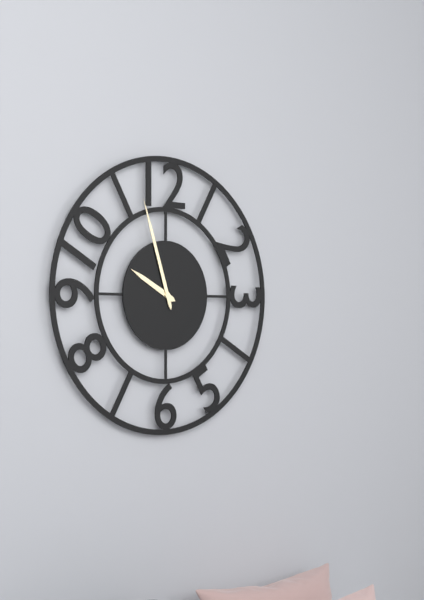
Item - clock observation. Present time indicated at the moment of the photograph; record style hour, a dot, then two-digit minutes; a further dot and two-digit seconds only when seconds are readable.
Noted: 9.57
